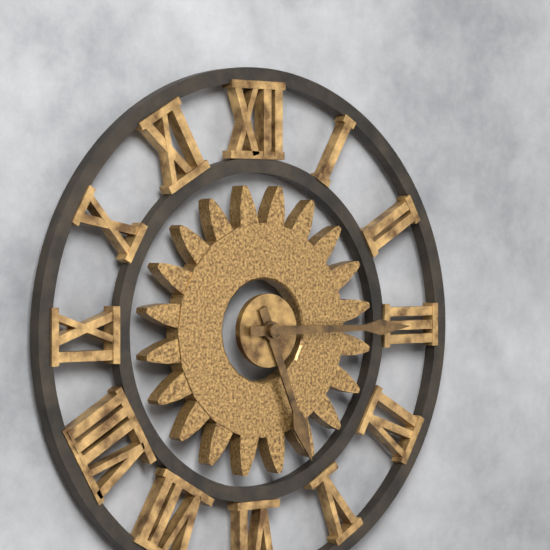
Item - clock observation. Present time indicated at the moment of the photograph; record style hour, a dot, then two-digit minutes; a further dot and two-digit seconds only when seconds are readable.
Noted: 5.15
